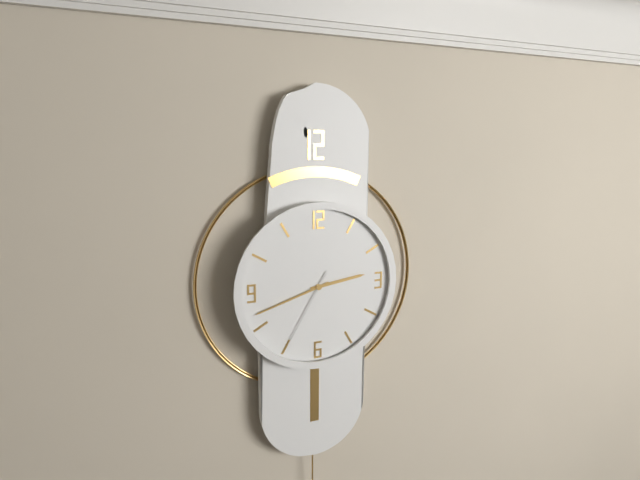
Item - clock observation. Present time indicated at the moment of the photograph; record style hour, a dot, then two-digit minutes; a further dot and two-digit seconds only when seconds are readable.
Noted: 2.42.35
